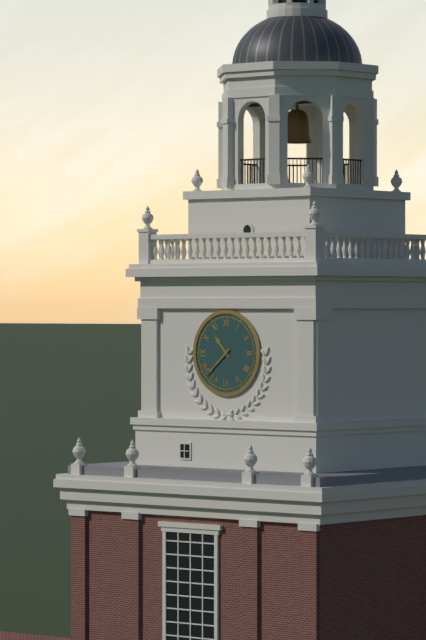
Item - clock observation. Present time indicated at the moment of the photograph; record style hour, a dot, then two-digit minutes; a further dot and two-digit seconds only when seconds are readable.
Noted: 10.38
